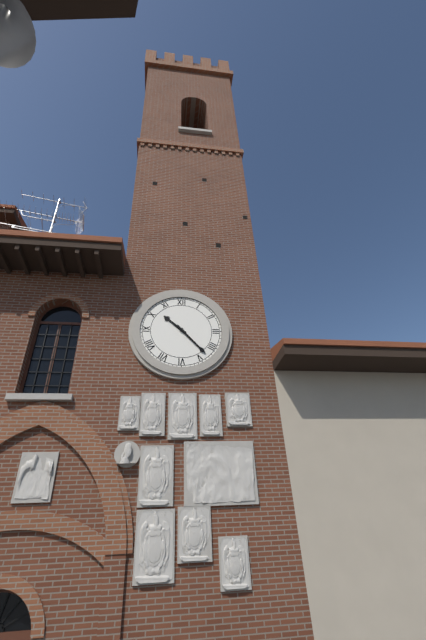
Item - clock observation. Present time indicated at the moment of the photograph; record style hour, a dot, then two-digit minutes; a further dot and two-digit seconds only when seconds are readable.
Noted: 10.23
